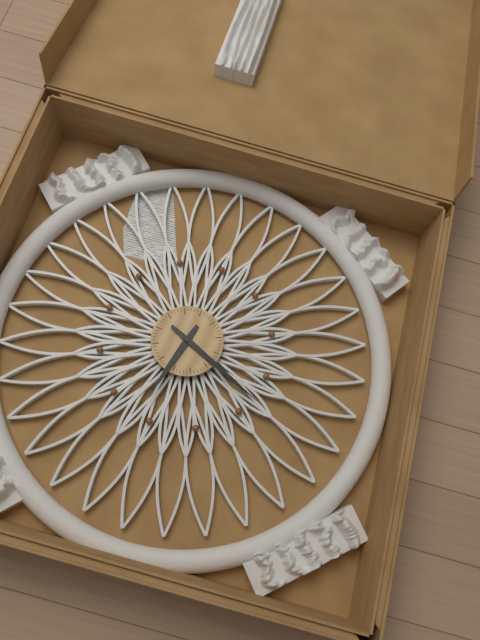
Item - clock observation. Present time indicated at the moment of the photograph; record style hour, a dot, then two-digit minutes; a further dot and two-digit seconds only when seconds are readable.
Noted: 6.18
